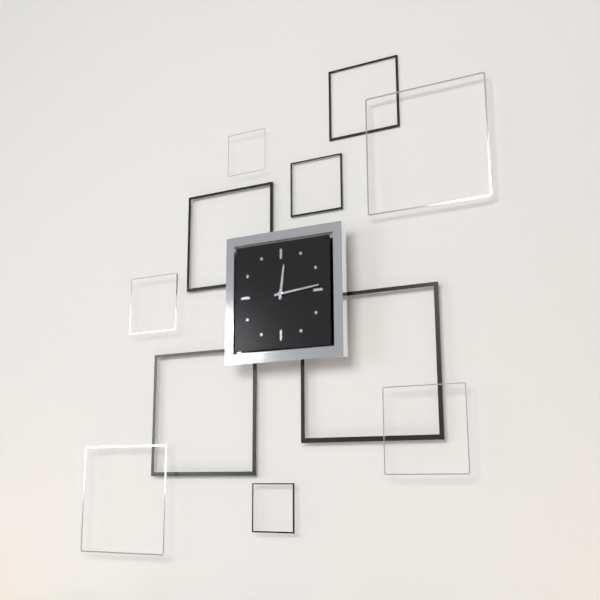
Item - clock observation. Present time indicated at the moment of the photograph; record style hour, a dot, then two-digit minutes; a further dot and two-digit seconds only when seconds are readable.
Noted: 12.14
